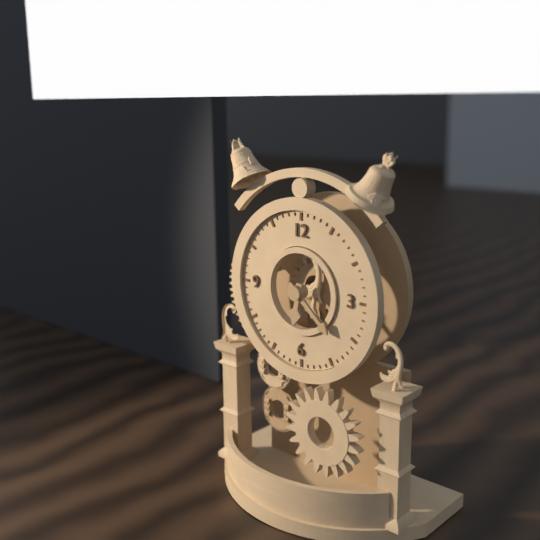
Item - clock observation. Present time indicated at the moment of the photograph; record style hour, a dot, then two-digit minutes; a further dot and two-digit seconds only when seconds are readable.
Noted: 6.22
